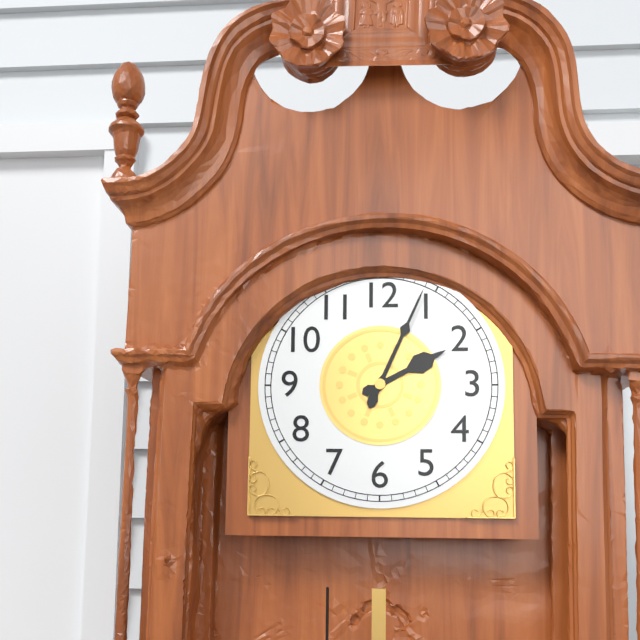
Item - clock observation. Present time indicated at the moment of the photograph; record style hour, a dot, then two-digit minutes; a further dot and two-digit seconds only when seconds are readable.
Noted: 2.04
